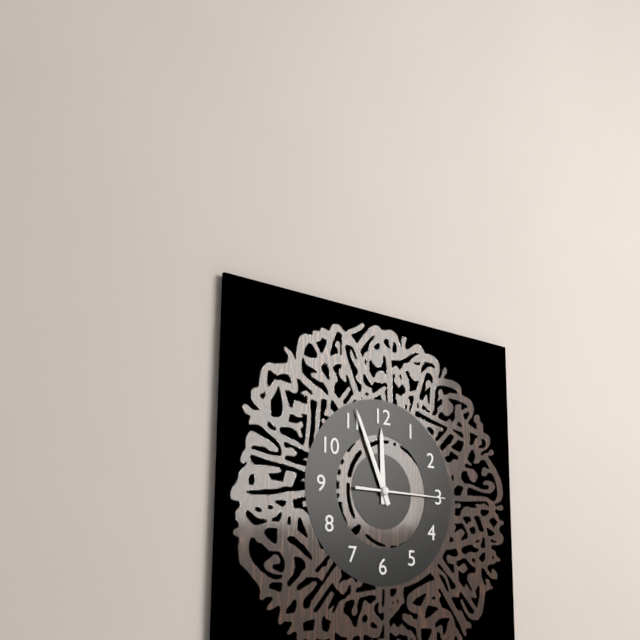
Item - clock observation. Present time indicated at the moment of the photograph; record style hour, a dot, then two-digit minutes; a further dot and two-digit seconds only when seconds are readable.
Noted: 11.56.15
